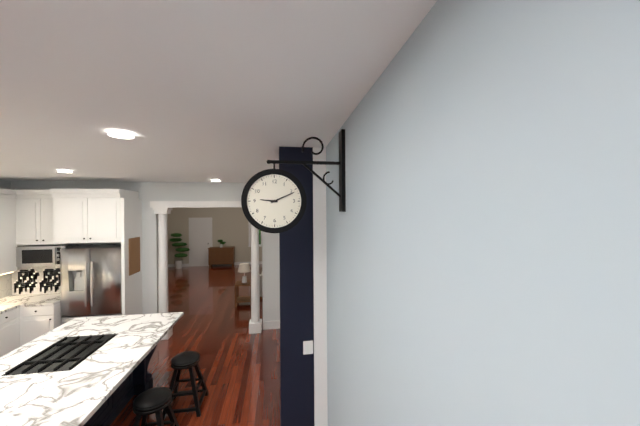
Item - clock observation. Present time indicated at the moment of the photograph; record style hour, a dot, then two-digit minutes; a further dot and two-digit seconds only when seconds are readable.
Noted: 9.11
